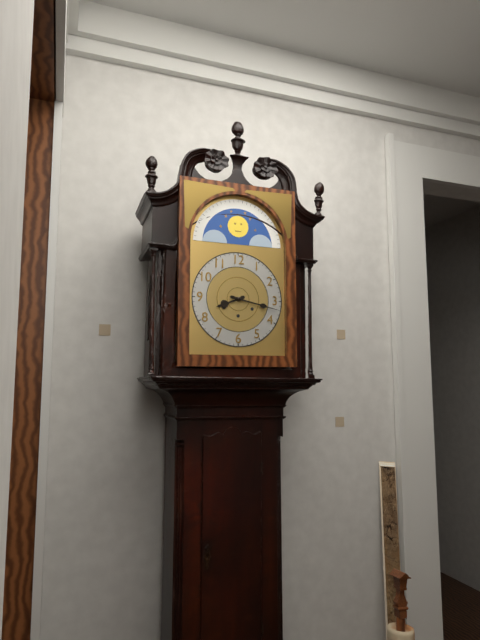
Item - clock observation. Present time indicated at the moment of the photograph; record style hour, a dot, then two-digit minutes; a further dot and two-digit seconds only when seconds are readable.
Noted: 8.17
